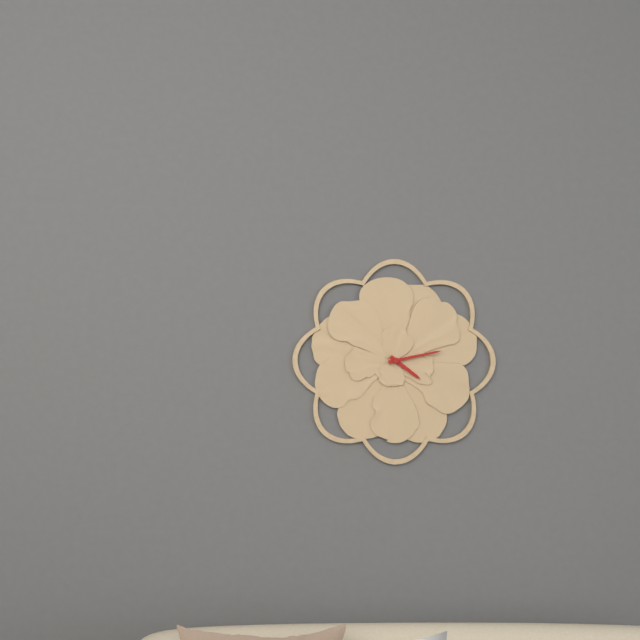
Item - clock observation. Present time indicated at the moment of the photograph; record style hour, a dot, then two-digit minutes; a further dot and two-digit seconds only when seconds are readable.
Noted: 4.13
